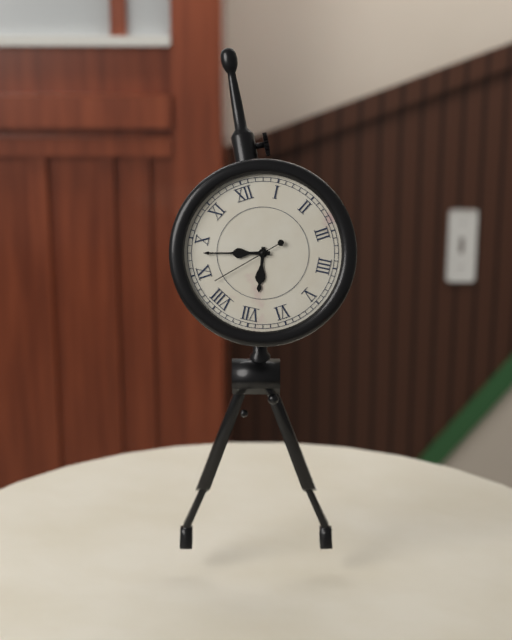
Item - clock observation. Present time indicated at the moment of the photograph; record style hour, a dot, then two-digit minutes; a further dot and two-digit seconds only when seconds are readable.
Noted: 6.48.43
